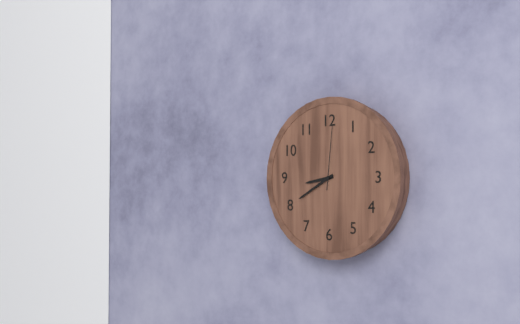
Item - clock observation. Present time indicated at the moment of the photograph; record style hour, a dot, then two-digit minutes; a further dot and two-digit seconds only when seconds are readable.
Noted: 8.40.01
